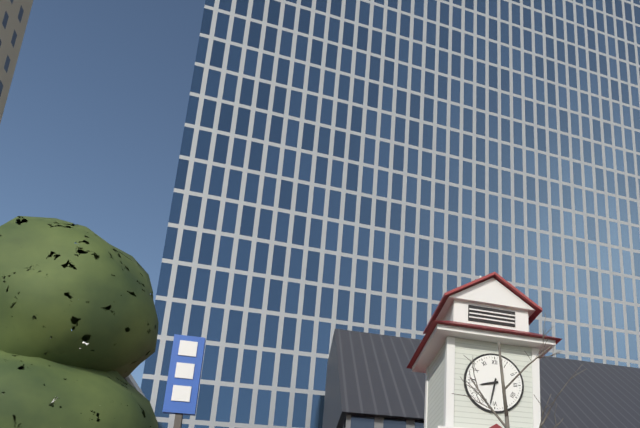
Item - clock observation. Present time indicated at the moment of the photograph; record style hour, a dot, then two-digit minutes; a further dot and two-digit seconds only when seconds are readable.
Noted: 8.32
